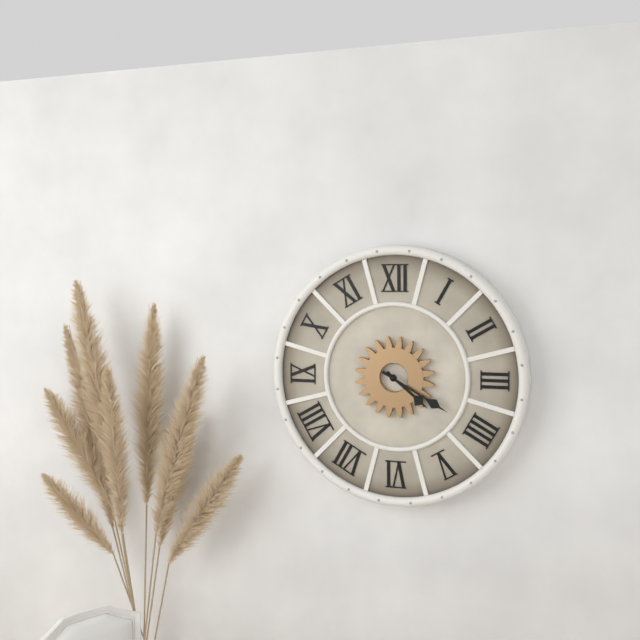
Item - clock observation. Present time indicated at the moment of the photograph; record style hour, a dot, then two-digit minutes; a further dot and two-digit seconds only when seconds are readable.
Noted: 4.20
